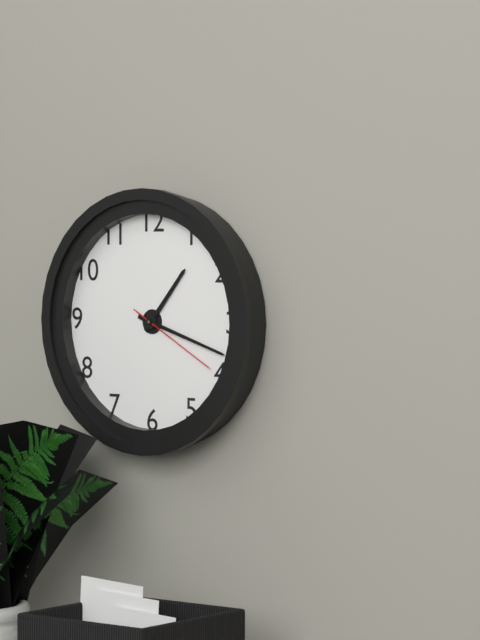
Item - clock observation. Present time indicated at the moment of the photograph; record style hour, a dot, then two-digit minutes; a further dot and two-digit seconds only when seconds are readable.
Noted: 1.18.20
